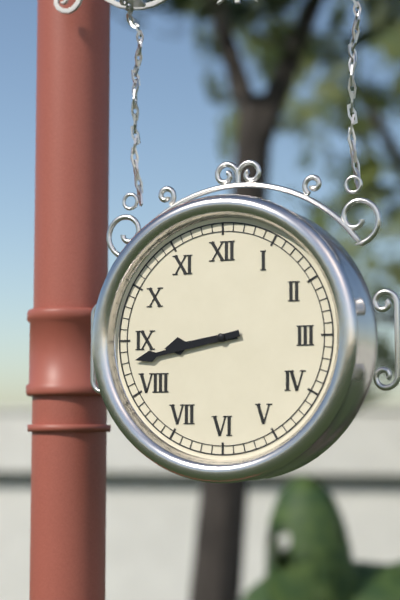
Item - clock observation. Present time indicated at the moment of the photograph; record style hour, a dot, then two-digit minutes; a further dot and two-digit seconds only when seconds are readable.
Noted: 8.43
